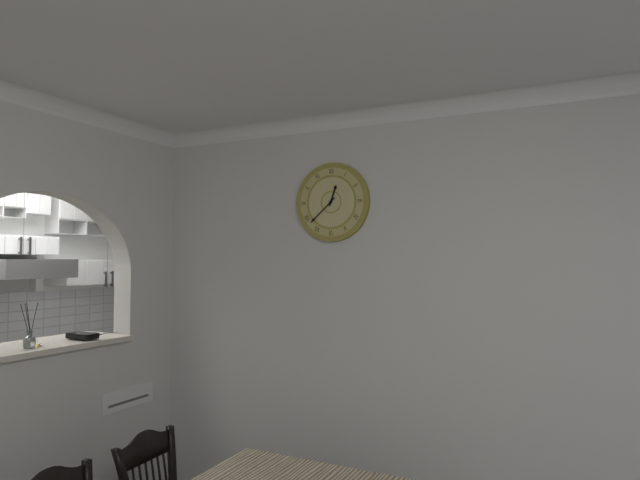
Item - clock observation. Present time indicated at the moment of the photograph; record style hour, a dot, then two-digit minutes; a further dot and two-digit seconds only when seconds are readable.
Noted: 12.38
